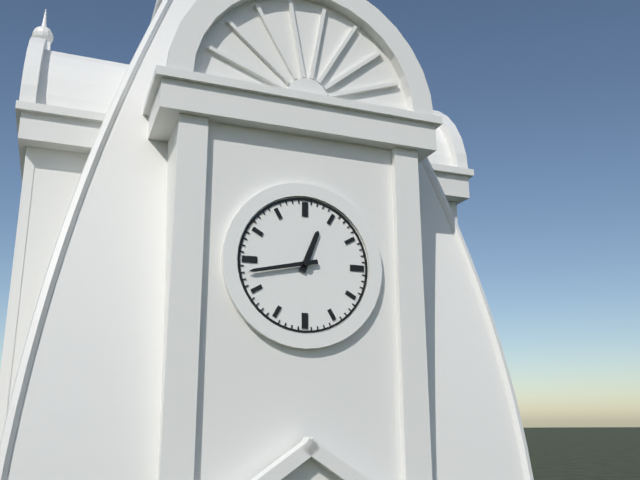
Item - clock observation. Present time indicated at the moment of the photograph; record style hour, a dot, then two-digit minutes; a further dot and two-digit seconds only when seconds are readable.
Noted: 12.43
